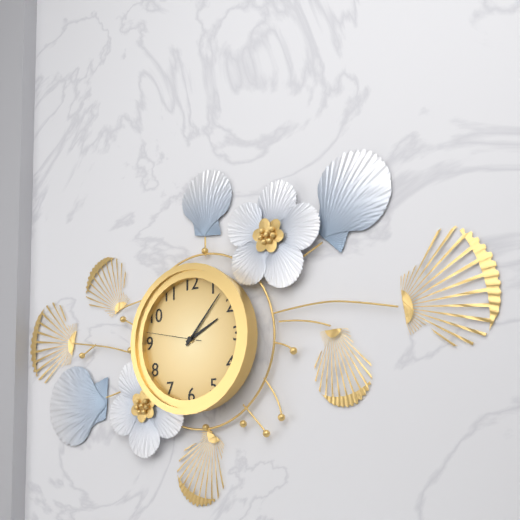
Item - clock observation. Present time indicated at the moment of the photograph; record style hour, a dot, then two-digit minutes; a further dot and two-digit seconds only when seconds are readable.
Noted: 2.07.47
